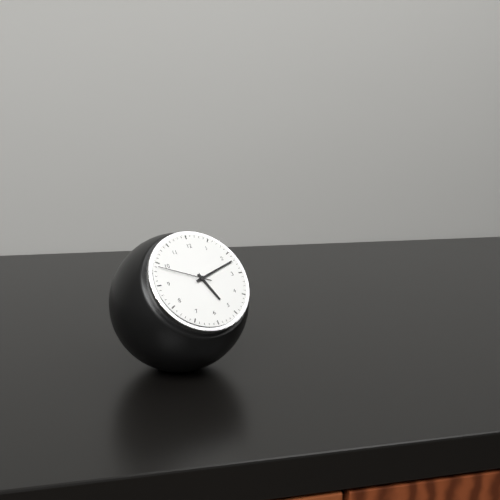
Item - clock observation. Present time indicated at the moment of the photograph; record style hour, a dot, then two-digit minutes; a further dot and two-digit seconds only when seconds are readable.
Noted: 5.12.49
